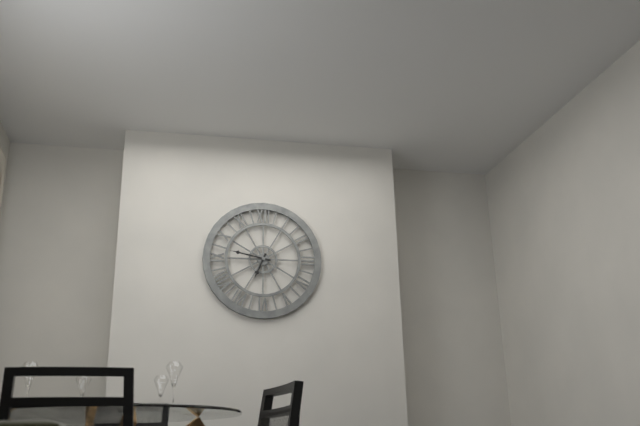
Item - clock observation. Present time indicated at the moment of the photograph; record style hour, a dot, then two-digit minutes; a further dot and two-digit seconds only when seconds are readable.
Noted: 6.47
